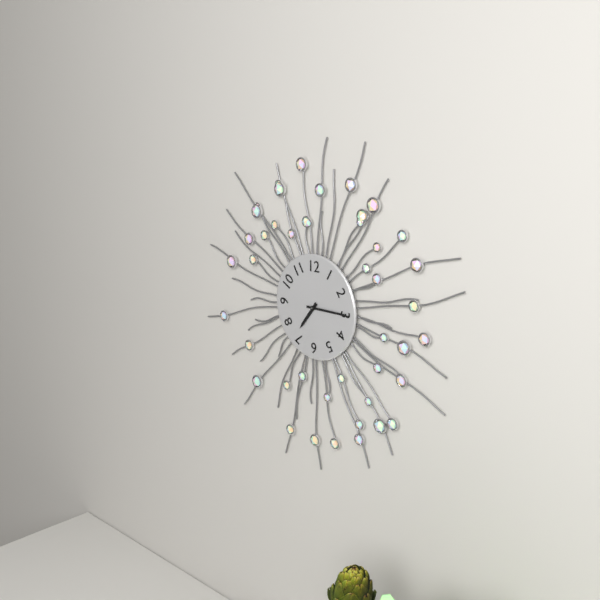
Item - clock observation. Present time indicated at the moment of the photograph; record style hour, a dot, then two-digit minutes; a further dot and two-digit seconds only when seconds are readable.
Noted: 7.15
